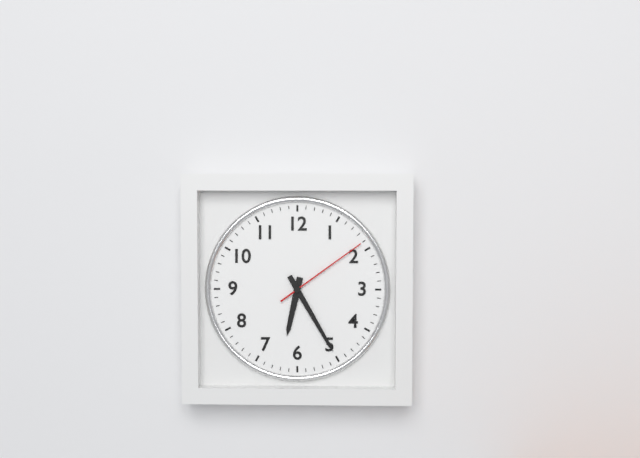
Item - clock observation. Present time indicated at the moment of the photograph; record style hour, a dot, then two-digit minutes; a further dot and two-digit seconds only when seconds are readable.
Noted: 6.25.09
